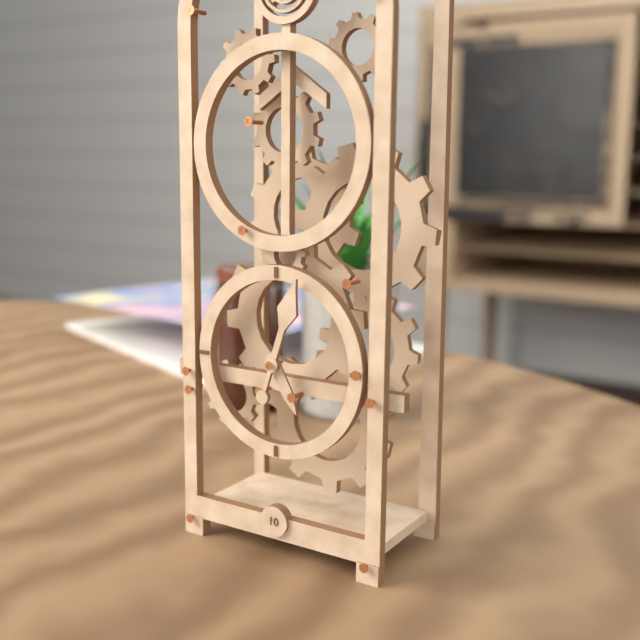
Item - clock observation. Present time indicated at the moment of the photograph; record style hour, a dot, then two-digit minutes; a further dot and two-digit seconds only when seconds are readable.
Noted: 5.03
